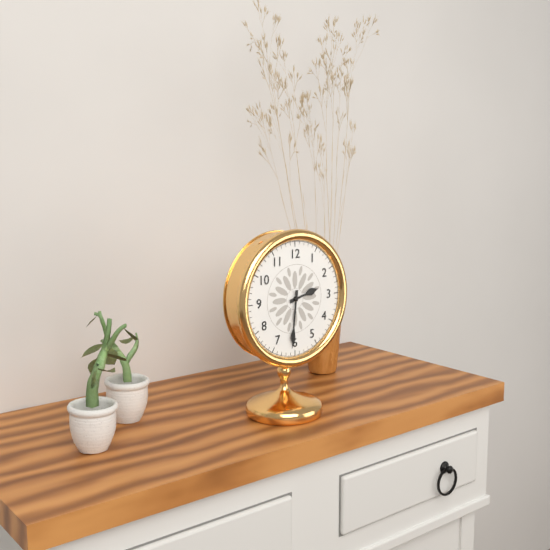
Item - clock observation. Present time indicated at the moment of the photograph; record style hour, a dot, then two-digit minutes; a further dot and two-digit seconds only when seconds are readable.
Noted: 2.31
